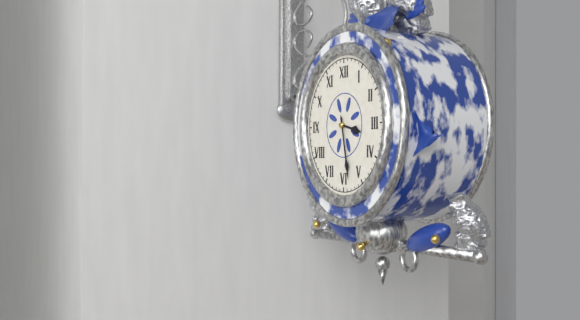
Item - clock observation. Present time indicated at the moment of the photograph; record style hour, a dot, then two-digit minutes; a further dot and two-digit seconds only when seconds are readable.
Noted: 3.28
